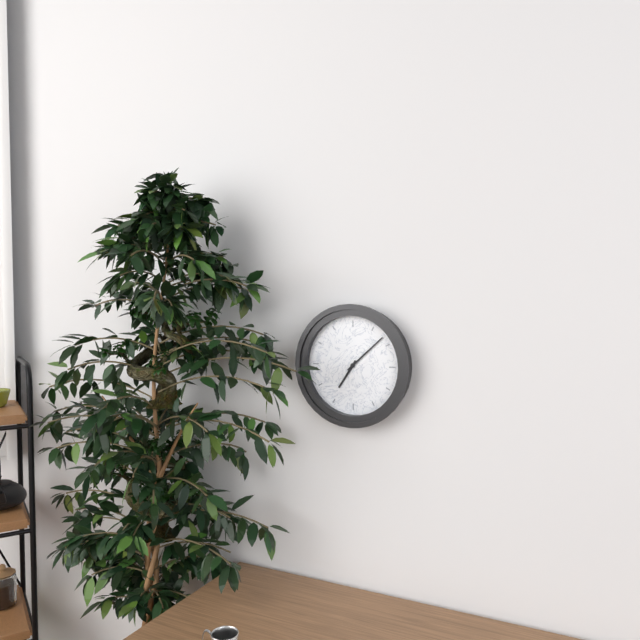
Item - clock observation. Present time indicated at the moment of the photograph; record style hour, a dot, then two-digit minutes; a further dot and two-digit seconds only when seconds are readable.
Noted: 7.08
